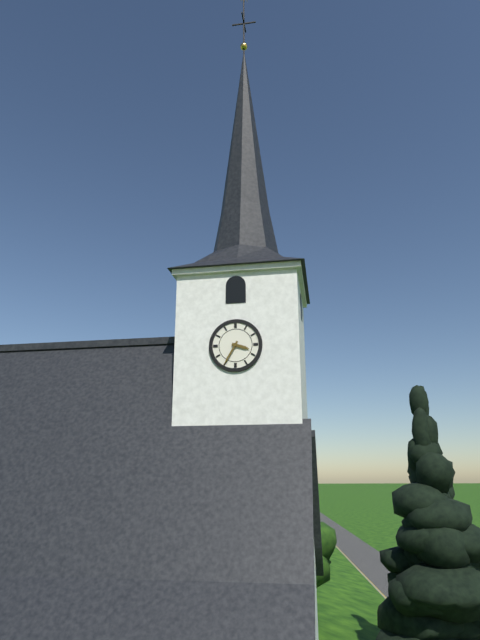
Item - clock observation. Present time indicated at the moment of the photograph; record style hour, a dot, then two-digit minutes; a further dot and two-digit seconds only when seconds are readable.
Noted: 3.35
